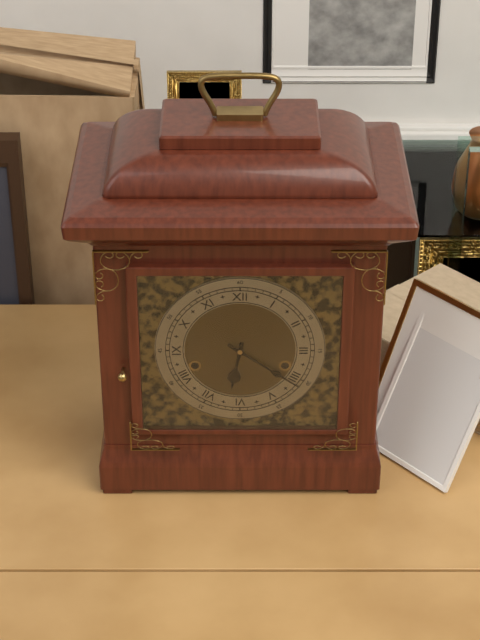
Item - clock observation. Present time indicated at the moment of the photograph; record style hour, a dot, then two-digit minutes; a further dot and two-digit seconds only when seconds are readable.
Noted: 6.21
